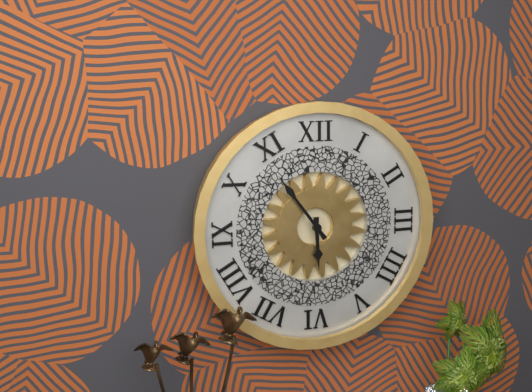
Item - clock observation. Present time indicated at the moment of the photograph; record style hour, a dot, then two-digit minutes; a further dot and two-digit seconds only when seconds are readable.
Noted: 5.54
